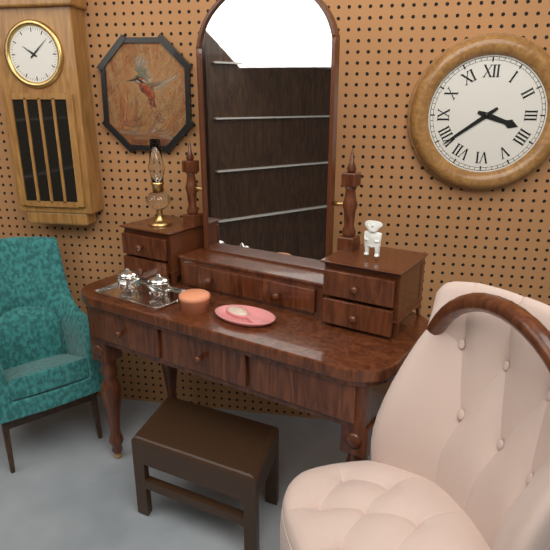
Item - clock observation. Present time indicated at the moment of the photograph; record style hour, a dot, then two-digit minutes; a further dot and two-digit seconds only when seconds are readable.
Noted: 3.39
